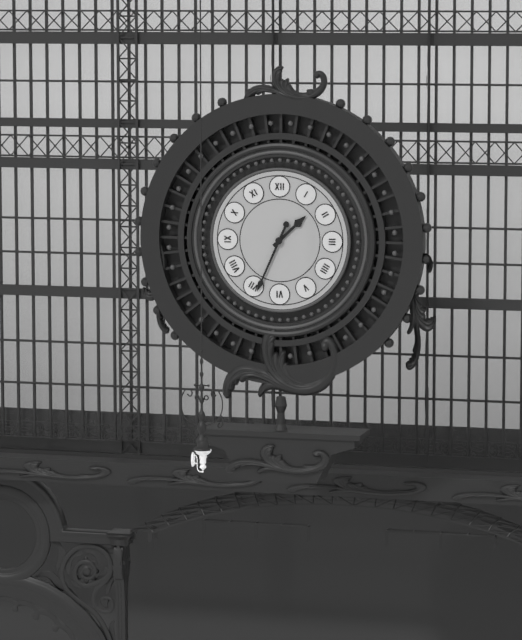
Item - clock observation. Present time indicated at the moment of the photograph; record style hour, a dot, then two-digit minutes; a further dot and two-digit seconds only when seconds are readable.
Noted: 1.34
